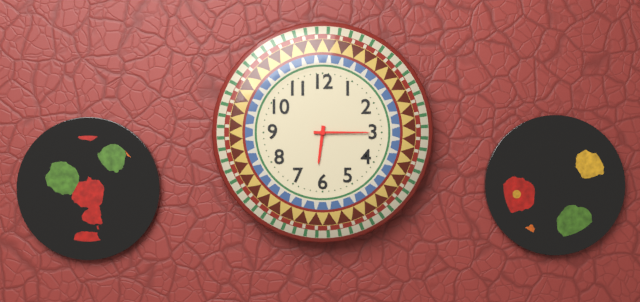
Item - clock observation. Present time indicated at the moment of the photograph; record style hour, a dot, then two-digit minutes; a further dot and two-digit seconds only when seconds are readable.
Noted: 6.15
